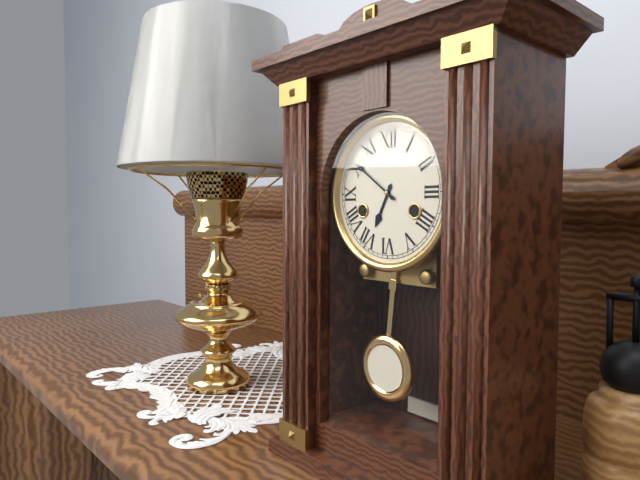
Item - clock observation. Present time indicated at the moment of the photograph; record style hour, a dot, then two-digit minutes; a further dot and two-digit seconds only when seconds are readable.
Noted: 6.51
